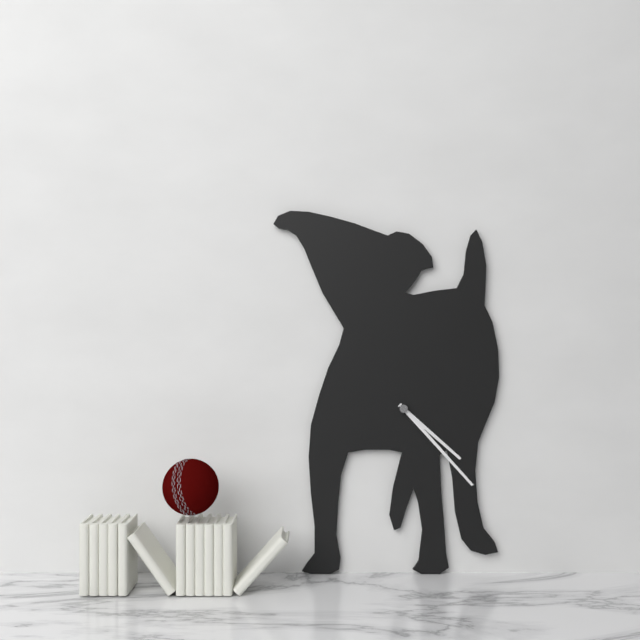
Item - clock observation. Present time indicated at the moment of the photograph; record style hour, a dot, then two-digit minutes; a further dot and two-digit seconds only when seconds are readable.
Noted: 4.23
